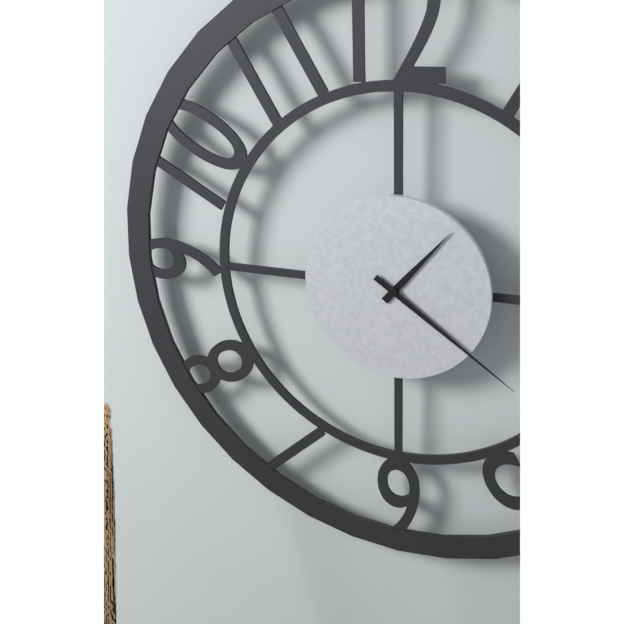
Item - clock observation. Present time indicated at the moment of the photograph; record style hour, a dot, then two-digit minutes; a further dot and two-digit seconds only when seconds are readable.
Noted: 1.21
